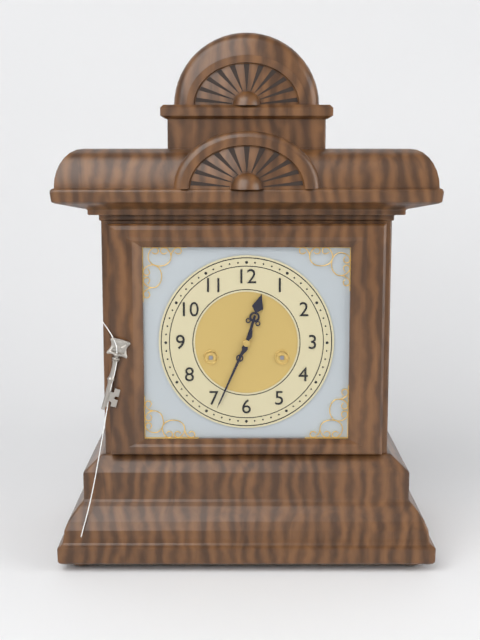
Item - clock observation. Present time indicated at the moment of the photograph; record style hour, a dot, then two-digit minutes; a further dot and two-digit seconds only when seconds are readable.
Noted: 12.34
